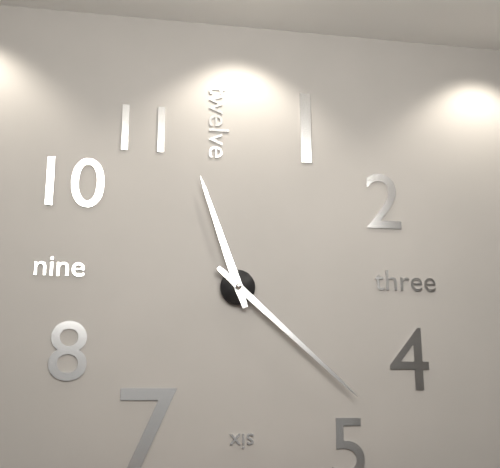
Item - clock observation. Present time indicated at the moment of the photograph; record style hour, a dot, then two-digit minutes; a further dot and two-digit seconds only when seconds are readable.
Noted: 11.22
